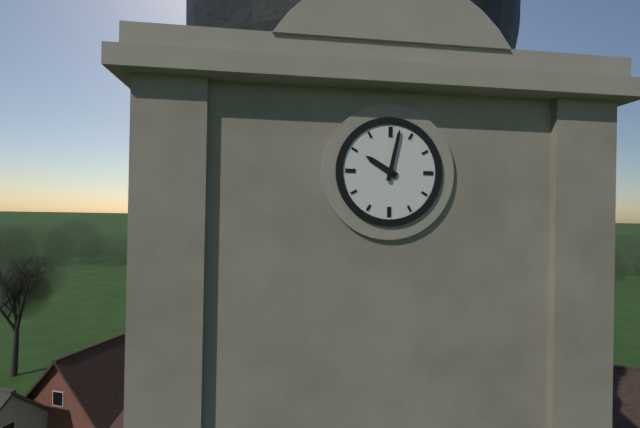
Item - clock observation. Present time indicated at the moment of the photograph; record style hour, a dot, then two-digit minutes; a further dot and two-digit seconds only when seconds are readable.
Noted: 10.02
